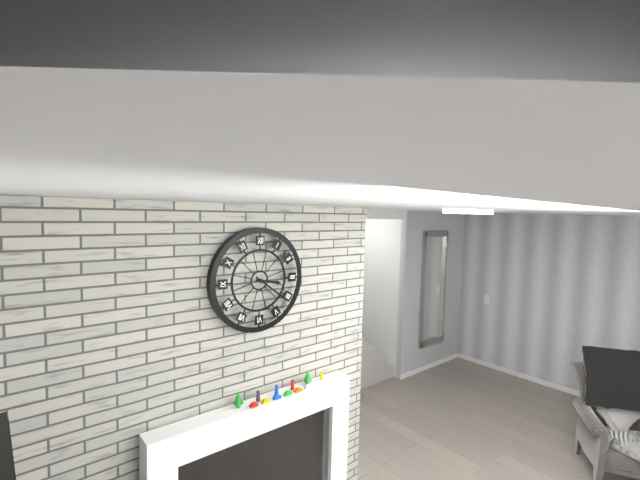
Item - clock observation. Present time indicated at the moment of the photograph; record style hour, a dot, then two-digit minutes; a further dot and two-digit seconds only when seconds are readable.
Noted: 3.21
